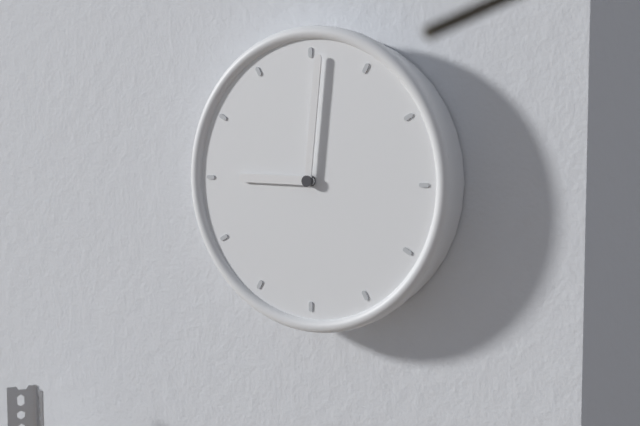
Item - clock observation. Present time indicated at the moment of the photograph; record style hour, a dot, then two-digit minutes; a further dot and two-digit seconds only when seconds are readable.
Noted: 9.01
